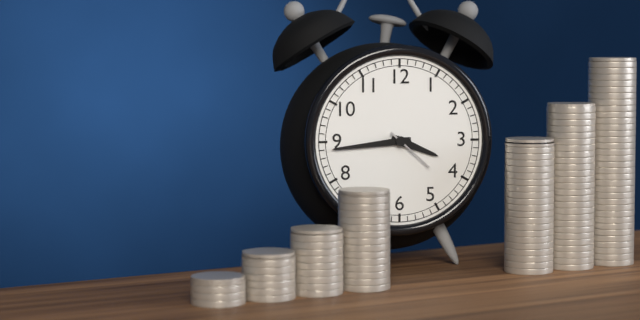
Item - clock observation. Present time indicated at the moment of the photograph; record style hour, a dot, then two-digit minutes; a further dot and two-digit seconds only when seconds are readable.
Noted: 3.44
